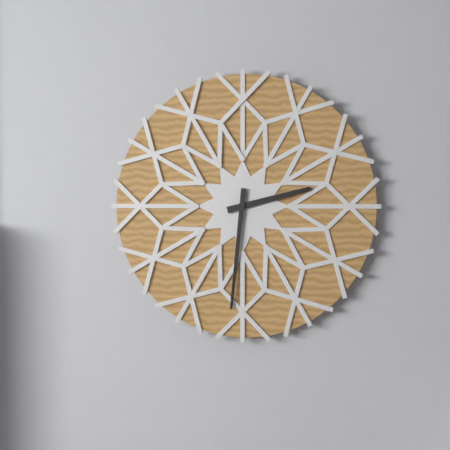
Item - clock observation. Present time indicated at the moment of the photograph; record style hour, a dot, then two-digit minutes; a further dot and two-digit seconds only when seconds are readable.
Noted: 2.31
